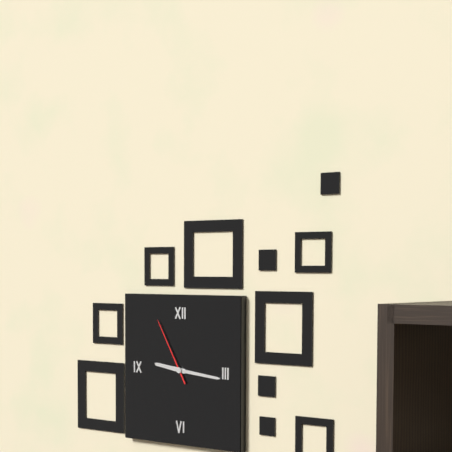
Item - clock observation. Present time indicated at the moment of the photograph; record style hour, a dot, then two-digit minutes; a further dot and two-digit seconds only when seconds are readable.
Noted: 9.16.55
